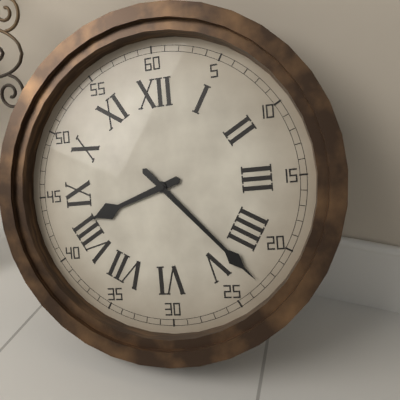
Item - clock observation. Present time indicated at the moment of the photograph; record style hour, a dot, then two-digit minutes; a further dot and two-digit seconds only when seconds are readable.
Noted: 8.23
